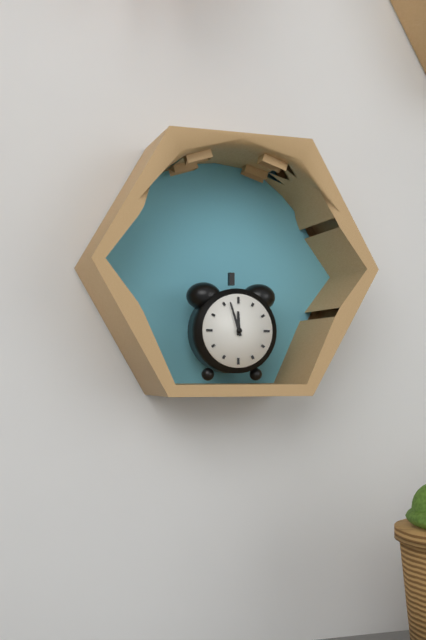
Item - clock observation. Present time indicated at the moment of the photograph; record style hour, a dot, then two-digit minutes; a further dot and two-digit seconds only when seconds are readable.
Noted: 11.57
